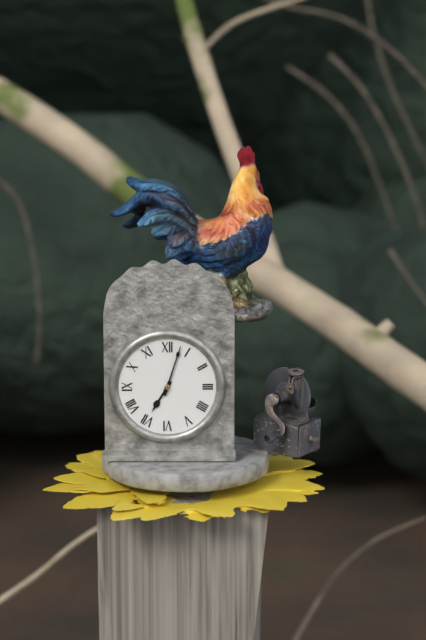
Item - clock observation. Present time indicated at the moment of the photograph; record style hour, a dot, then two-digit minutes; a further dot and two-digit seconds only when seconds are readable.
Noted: 7.03
